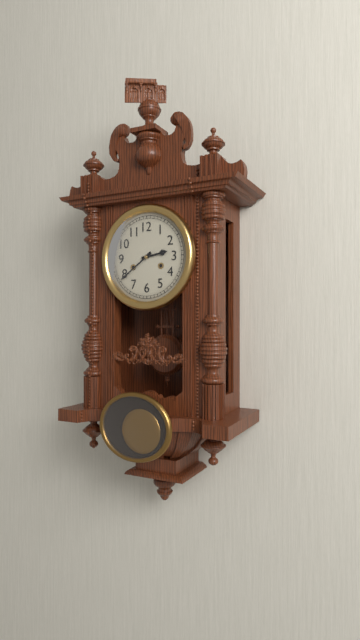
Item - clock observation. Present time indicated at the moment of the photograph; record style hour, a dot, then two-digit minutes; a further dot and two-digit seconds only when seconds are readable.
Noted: 2.39
